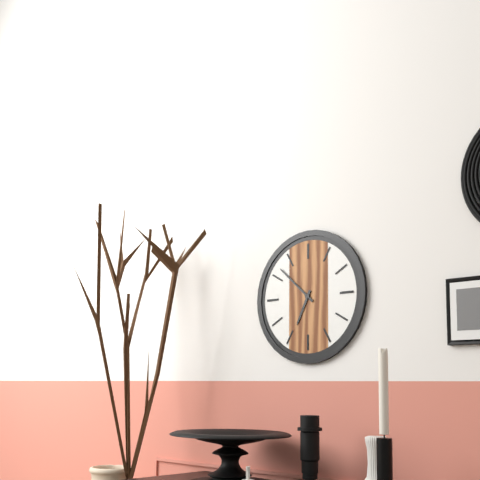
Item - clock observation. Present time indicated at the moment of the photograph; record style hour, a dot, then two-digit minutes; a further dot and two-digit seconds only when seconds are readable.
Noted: 6.52
